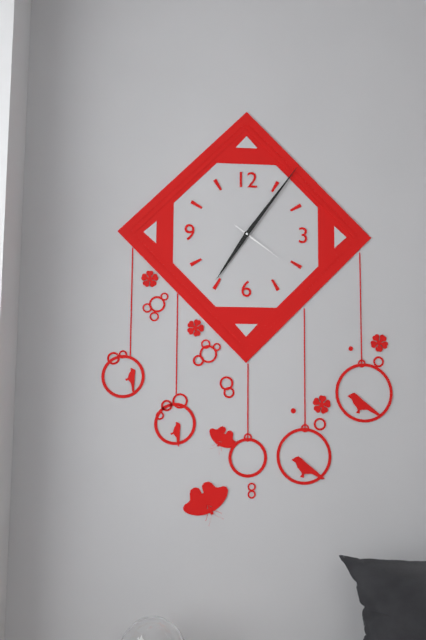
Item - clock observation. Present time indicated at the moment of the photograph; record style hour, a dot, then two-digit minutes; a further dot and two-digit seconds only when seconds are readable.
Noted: 7.06.21
